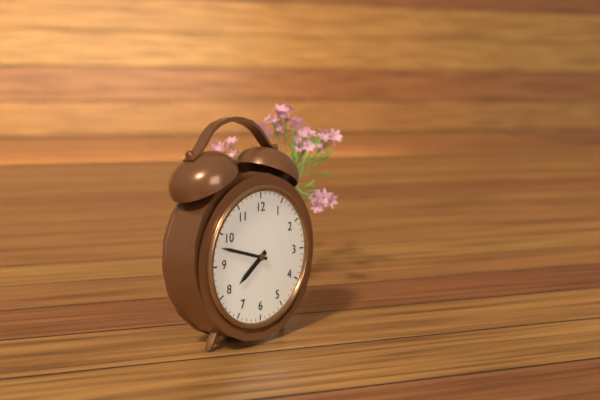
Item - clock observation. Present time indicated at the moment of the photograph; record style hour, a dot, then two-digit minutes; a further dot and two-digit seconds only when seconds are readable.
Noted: 7.48
